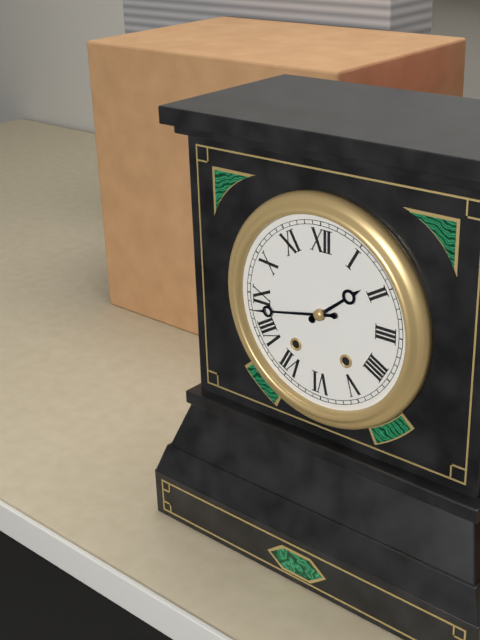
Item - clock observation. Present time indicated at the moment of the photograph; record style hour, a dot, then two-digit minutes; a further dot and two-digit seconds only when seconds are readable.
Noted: 1.43
